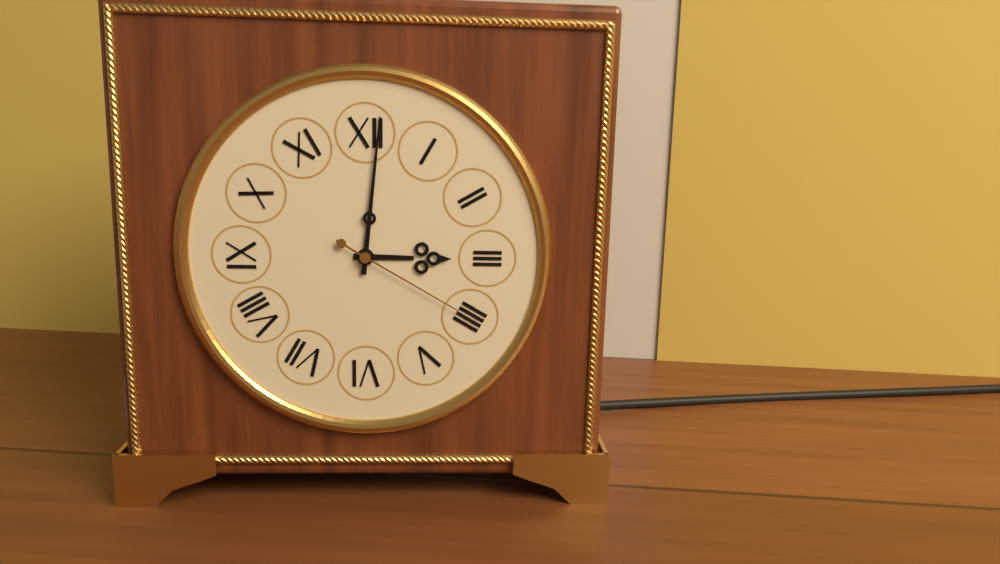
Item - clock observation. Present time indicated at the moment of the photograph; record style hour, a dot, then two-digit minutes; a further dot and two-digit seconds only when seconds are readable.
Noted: 3.01.20
